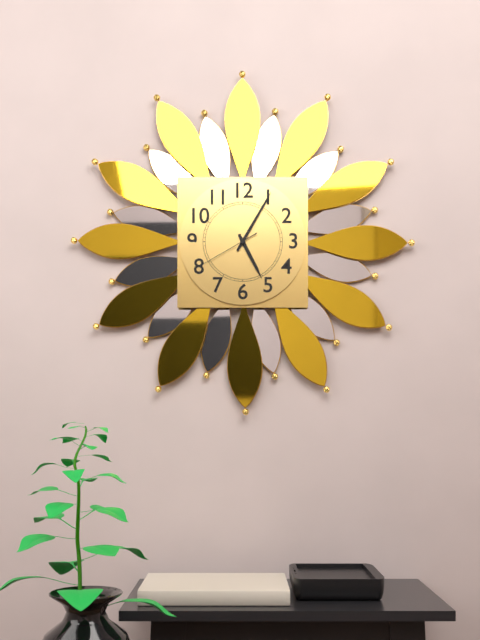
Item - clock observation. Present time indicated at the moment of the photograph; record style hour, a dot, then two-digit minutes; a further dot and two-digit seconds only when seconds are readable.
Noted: 5.05.40
